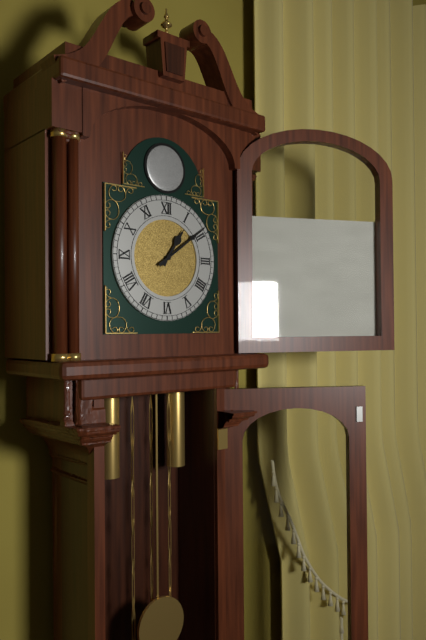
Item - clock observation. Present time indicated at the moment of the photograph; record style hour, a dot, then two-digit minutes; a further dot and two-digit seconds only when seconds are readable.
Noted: 1.09
